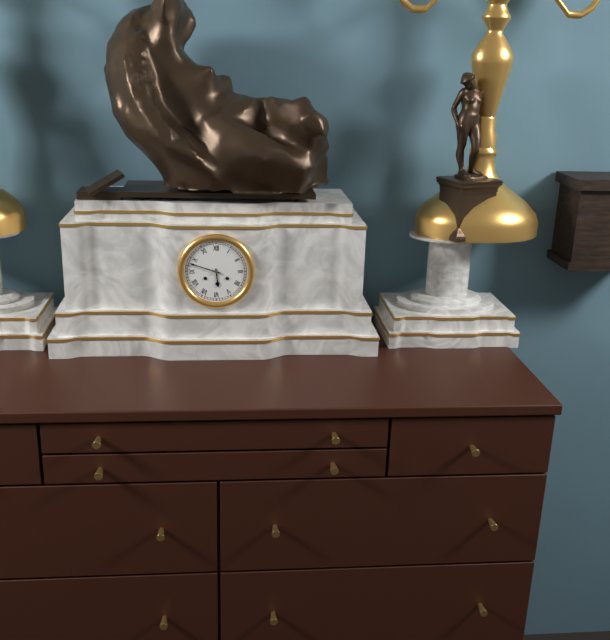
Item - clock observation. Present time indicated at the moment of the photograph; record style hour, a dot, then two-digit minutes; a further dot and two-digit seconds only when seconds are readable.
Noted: 5.48
